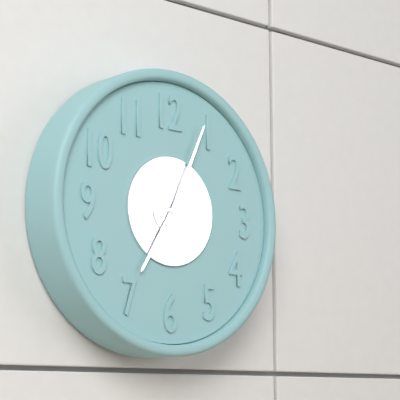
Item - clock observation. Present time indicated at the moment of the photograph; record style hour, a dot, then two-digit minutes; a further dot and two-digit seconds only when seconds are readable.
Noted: 7.04
